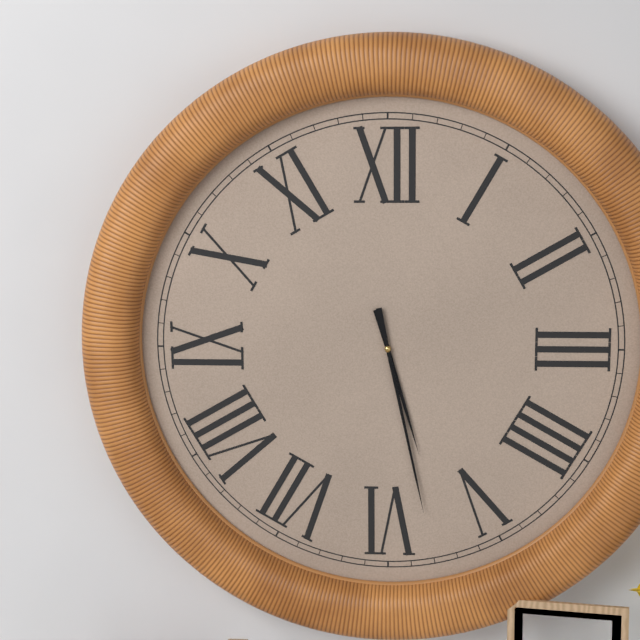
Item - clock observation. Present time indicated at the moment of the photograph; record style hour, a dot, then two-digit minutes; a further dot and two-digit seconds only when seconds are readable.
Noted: 5.28
